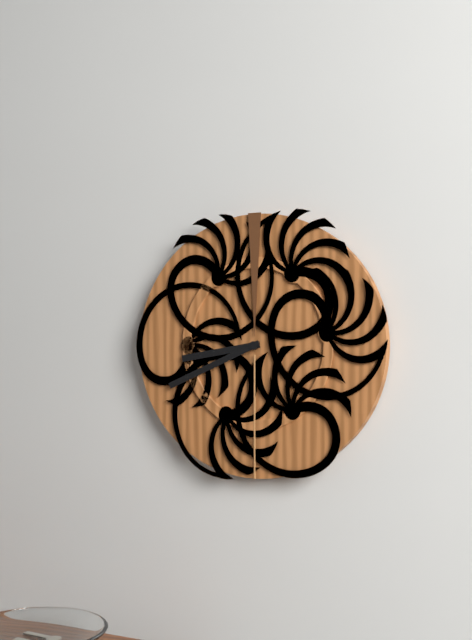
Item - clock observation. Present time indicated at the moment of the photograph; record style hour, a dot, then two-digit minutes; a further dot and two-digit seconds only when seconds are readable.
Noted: 8.41
